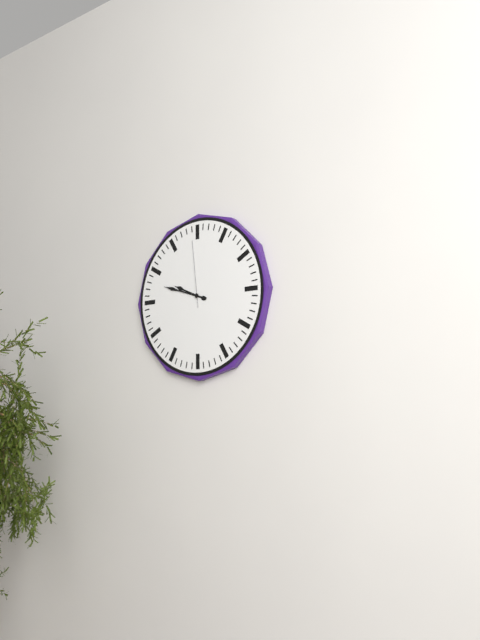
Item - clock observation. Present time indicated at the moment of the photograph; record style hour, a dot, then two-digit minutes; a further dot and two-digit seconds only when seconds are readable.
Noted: 9.48.59
